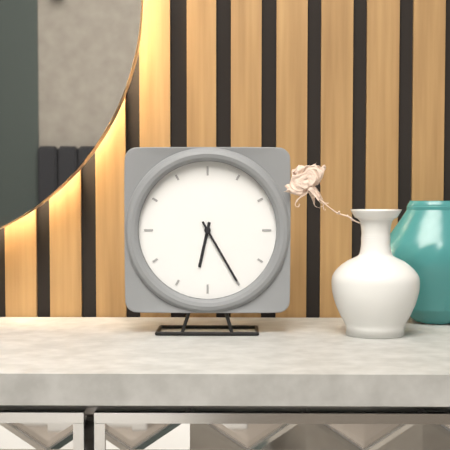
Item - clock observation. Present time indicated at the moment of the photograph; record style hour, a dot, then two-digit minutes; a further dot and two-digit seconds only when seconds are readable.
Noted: 6.25
